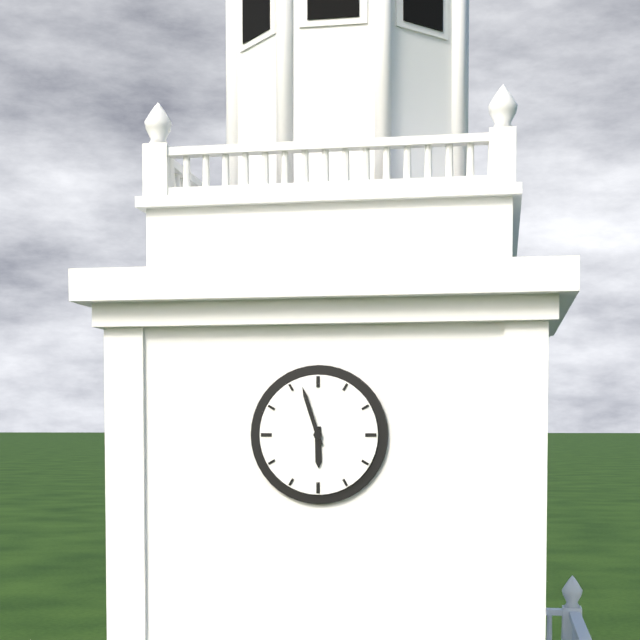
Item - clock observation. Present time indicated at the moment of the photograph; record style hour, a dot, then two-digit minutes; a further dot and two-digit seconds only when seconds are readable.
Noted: 5.57
